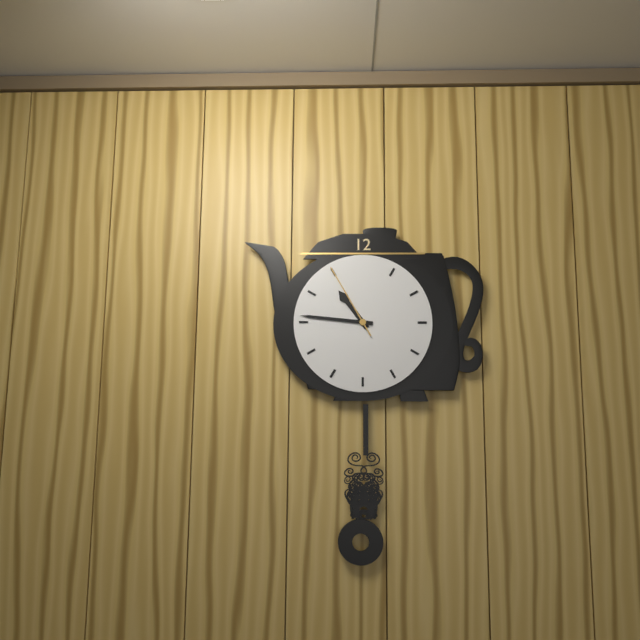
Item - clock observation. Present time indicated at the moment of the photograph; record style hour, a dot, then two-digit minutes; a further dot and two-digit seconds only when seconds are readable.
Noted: 10.46.55
